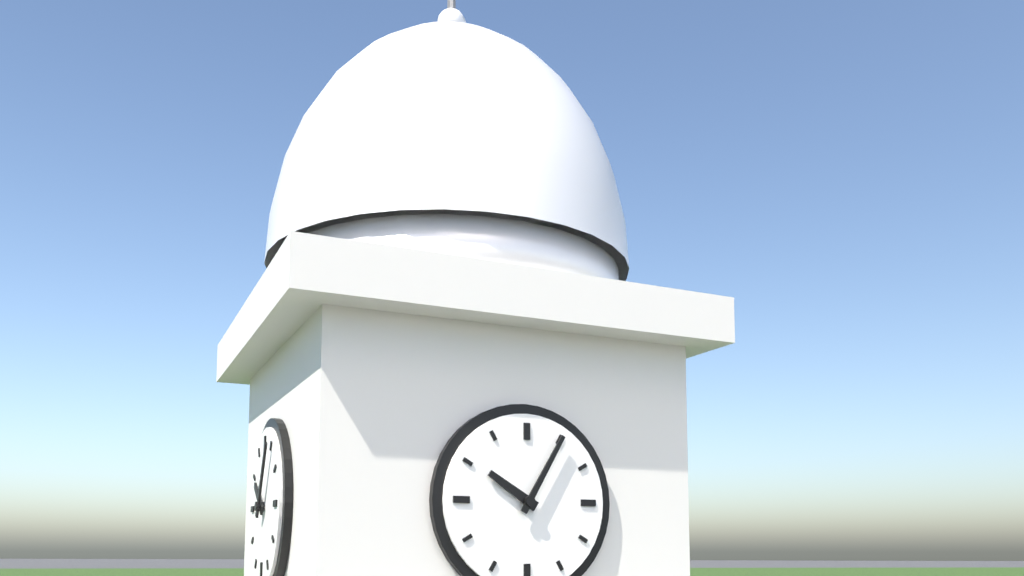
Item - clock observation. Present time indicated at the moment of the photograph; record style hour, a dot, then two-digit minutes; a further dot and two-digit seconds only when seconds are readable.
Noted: 10.05
